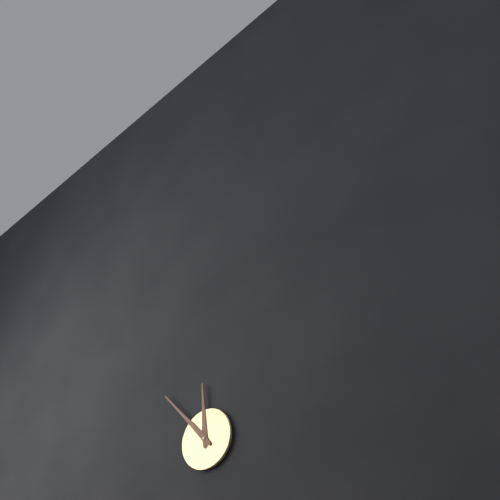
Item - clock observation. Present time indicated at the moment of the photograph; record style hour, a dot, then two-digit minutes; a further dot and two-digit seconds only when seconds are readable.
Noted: 11.53
